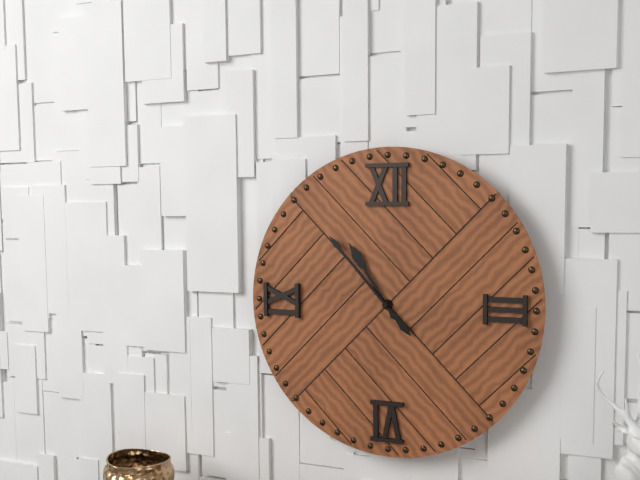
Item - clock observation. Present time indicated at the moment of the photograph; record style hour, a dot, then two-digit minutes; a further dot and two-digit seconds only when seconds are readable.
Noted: 10.53
